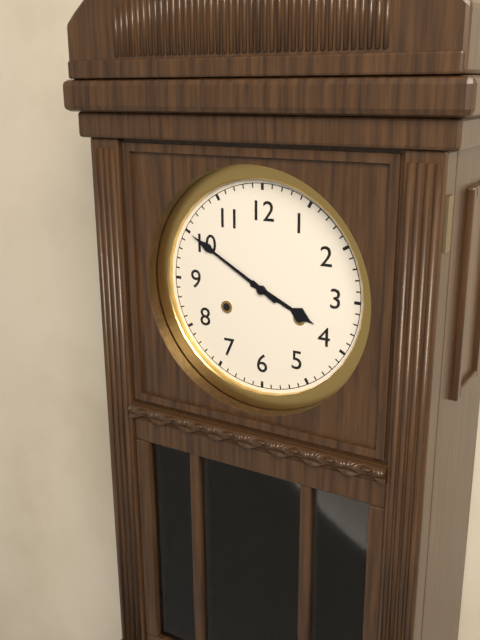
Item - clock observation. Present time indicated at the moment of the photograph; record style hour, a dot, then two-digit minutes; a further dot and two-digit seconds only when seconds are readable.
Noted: 3.50
